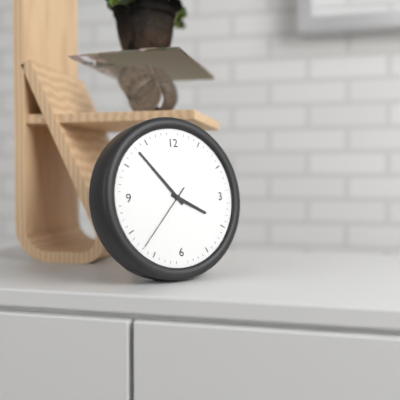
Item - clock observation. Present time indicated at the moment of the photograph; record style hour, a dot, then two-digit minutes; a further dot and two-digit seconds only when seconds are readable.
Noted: 3.53.37
